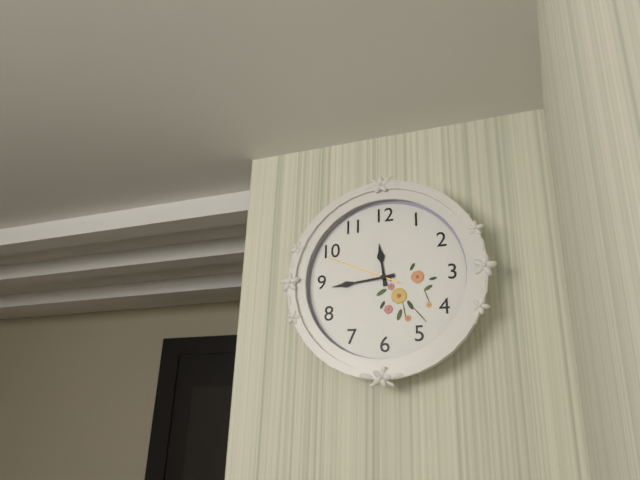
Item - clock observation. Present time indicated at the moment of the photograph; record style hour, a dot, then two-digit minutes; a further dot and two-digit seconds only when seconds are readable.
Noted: 11.44.49
